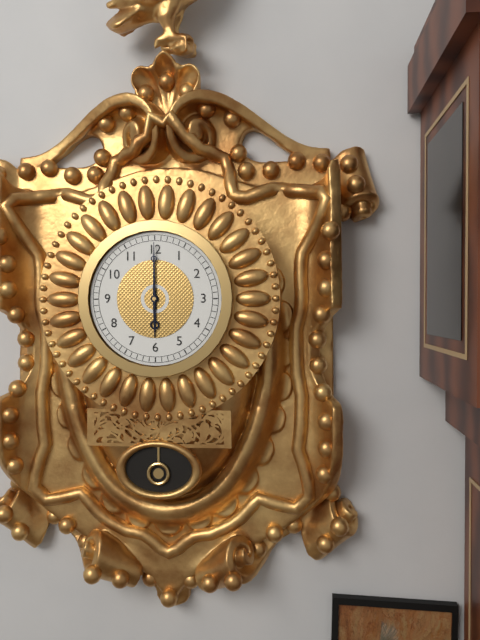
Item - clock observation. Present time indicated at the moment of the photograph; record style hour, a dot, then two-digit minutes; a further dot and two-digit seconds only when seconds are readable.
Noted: 6.00
